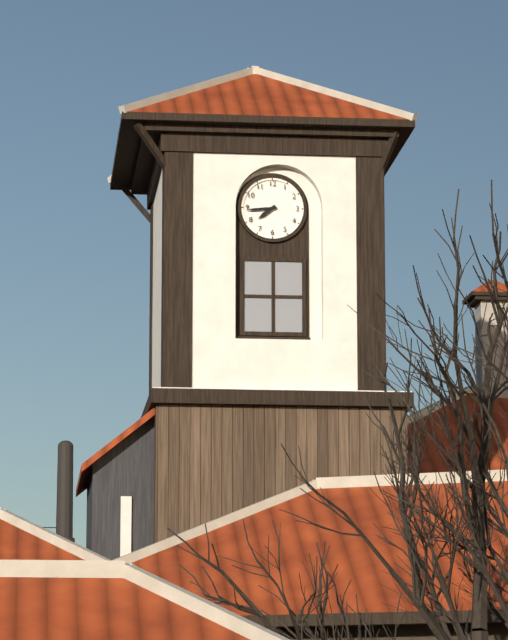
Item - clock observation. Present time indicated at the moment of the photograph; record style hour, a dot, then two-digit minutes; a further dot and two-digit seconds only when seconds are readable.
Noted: 7.44
